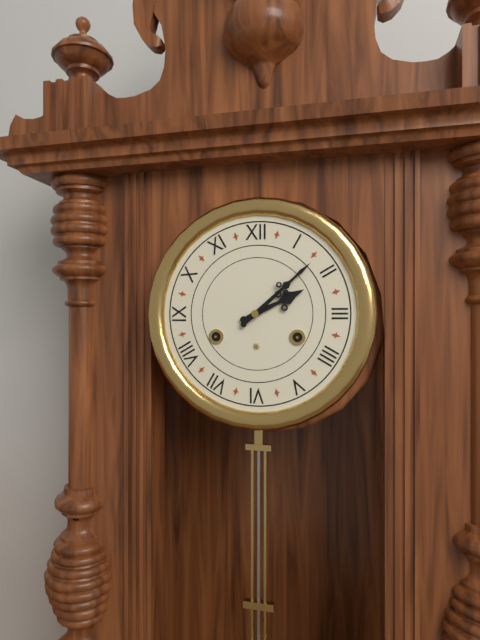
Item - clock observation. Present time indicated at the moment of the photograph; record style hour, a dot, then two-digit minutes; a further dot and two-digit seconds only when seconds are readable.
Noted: 2.08
